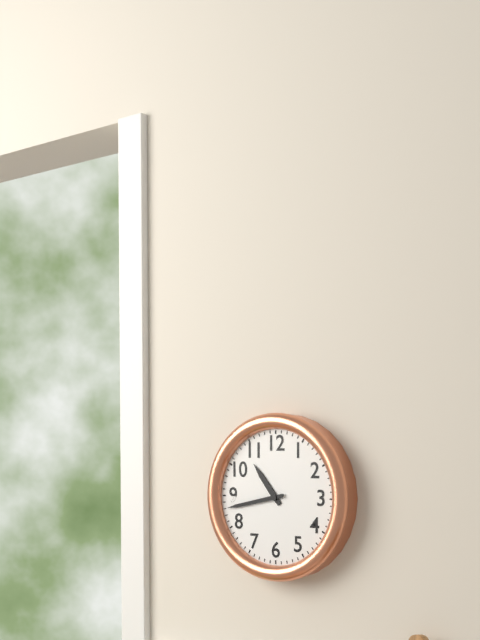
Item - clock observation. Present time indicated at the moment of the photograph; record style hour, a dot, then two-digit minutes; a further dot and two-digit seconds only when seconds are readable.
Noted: 10.43
